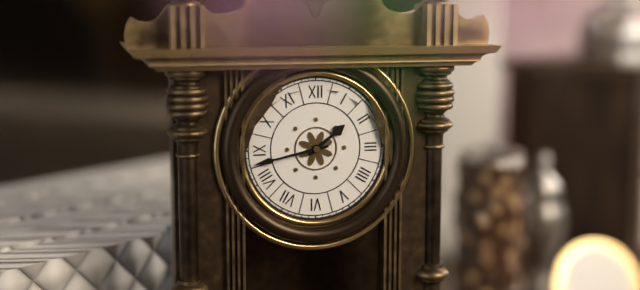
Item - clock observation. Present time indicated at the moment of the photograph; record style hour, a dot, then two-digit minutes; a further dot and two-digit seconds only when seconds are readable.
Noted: 1.43
